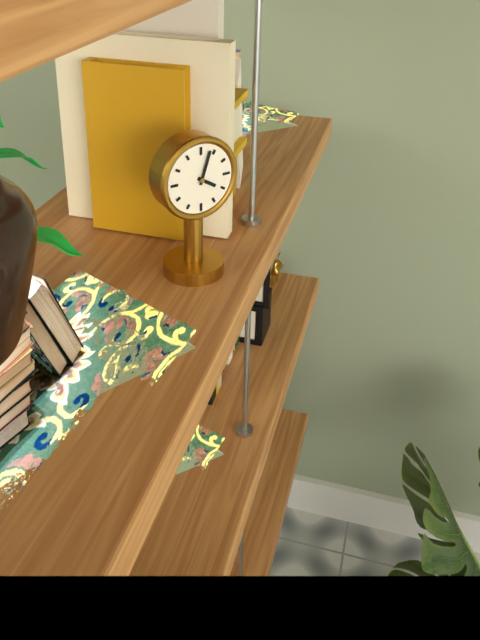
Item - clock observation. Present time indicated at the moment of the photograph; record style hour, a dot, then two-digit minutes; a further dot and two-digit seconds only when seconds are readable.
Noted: 4.03
